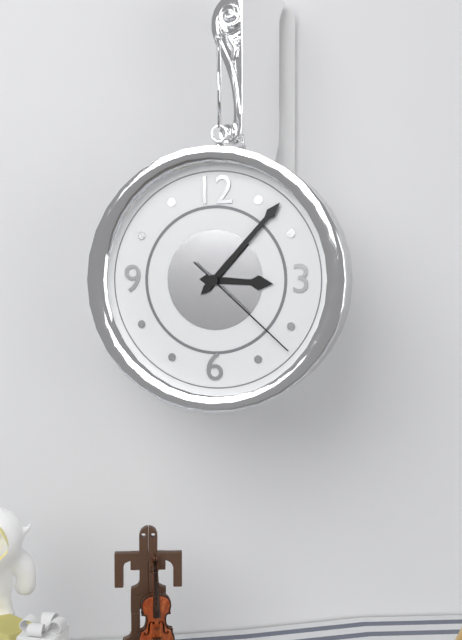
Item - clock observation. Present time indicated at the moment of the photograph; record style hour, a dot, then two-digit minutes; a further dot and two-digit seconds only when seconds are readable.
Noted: 3.07.22
